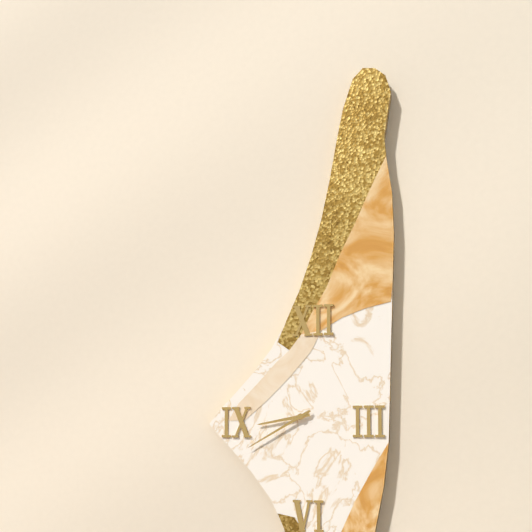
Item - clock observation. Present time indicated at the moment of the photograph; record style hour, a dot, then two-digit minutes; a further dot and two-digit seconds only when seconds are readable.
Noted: 8.40
